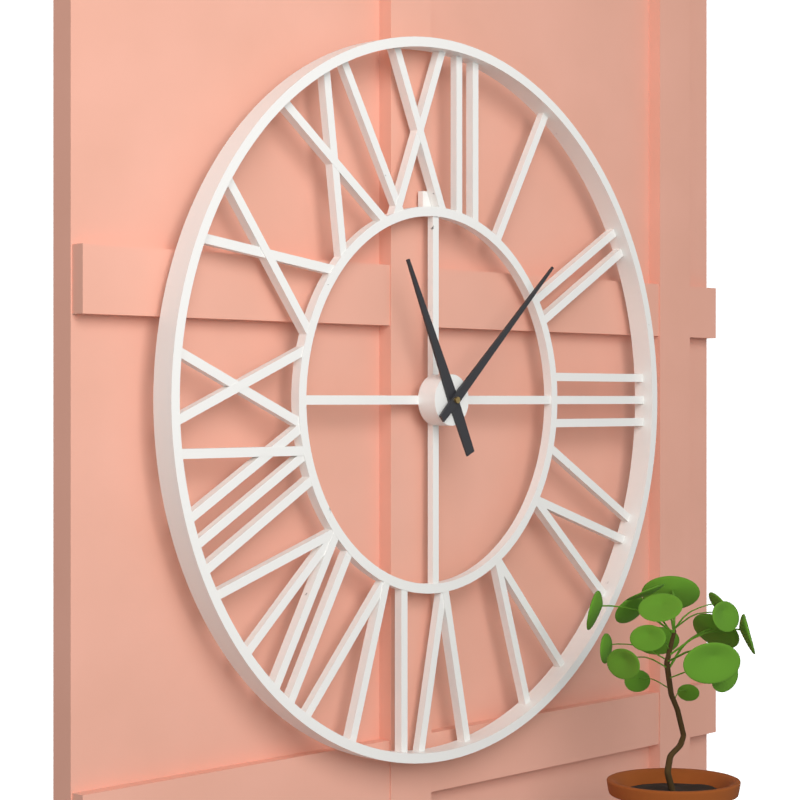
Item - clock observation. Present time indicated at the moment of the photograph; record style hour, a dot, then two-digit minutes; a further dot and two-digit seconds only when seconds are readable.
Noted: 11.08
